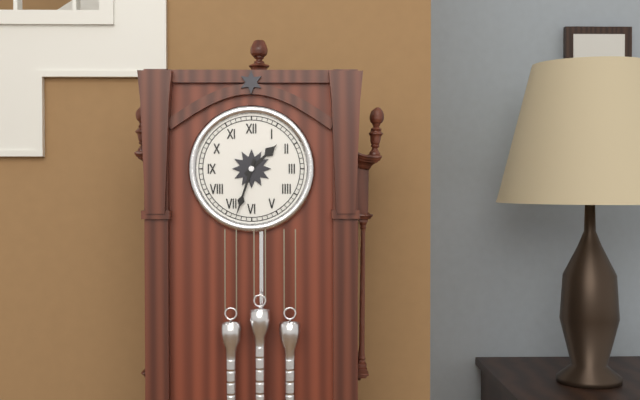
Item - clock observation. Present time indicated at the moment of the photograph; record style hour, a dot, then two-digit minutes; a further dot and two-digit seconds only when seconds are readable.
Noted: 1.33
